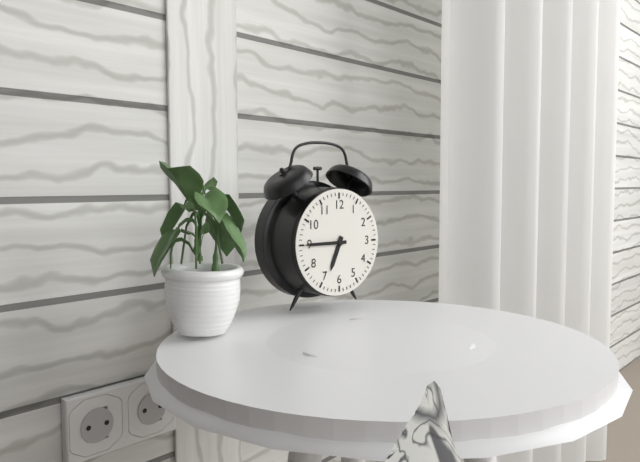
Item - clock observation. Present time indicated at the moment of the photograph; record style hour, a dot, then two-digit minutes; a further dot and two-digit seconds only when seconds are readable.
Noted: 6.45
